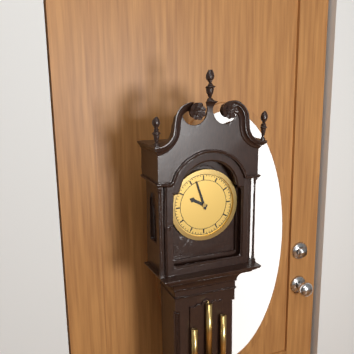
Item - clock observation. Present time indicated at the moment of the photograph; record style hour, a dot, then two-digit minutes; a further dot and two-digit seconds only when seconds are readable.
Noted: 9.57
